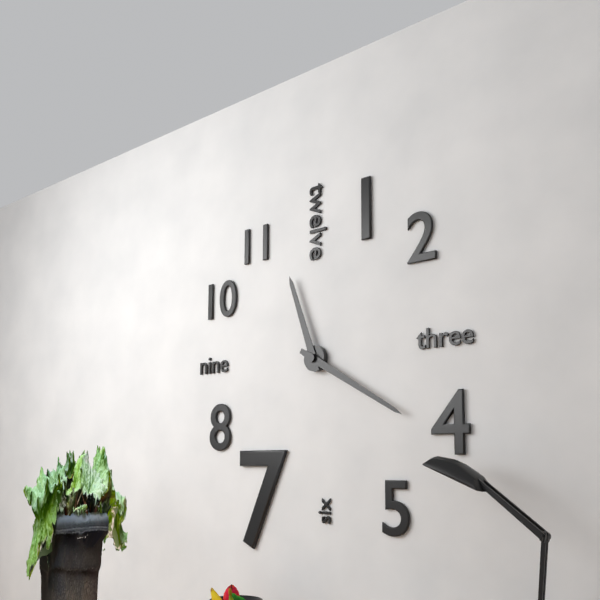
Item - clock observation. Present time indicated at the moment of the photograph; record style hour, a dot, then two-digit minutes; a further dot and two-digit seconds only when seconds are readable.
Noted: 11.20
